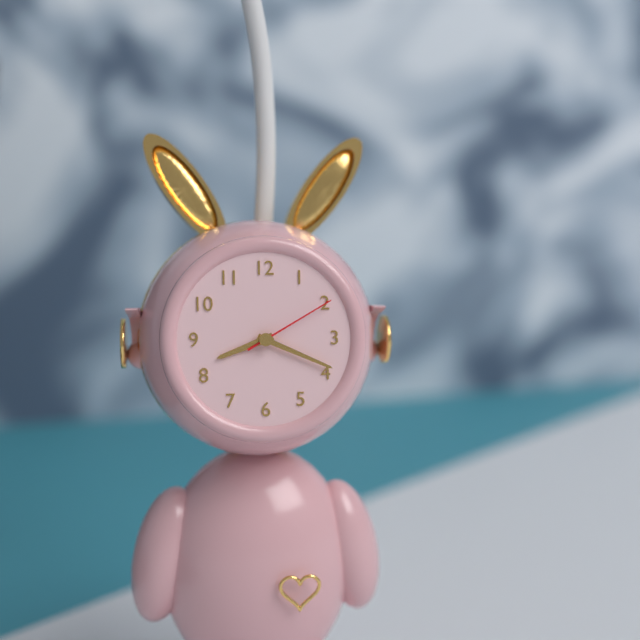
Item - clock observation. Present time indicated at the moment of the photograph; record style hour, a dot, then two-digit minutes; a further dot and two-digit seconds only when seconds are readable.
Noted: 8.19.10
